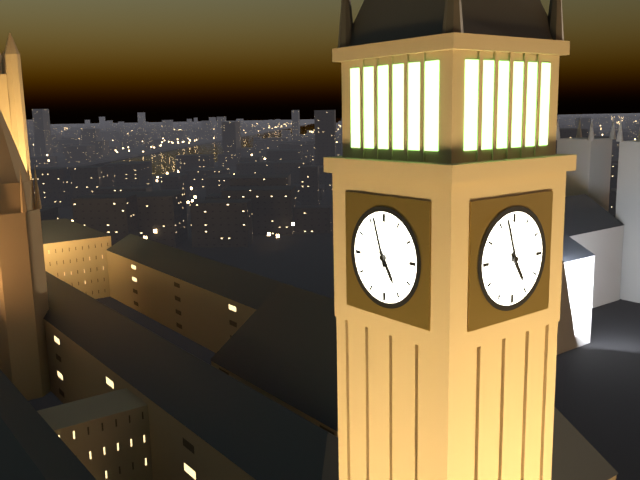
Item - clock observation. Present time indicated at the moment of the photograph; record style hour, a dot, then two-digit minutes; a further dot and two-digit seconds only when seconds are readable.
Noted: 4.57
